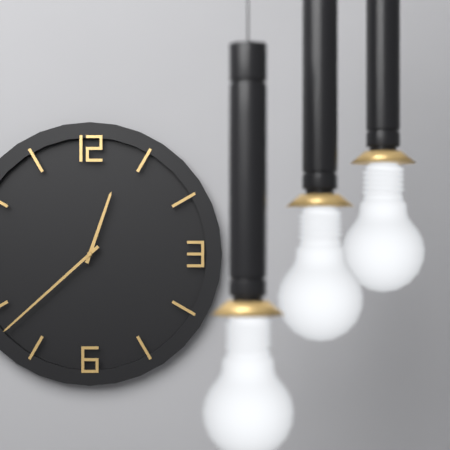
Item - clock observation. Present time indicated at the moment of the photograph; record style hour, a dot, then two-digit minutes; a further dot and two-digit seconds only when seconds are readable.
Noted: 12.38
